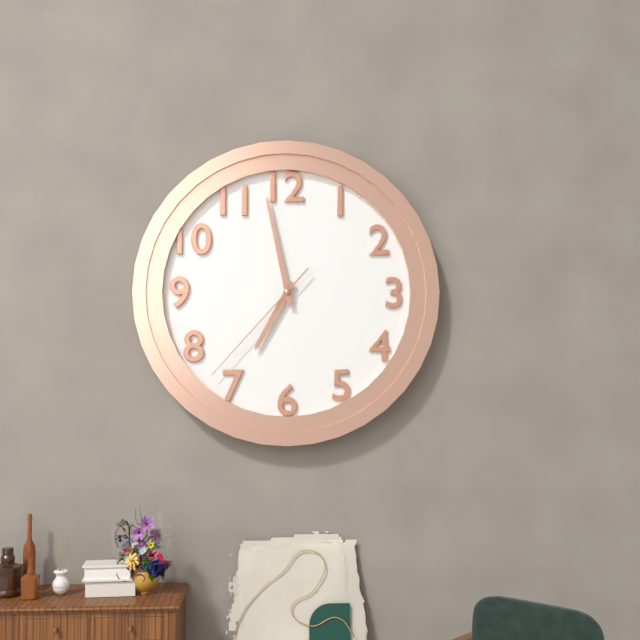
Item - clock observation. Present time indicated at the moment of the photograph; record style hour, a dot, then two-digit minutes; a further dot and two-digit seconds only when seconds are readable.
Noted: 6.58.37
